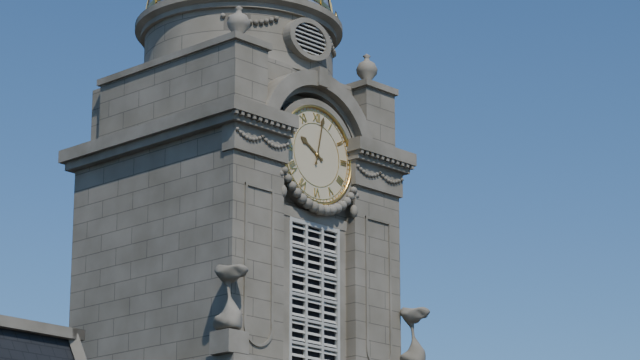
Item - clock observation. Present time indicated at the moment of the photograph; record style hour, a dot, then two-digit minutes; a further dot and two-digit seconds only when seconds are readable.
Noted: 10.02
